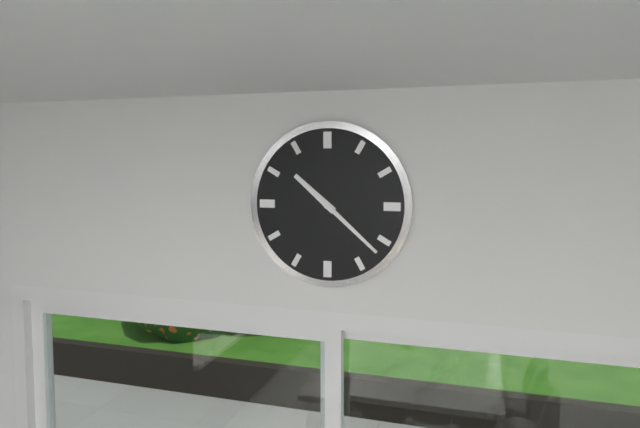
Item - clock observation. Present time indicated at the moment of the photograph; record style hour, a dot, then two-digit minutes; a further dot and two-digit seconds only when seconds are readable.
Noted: 10.22
